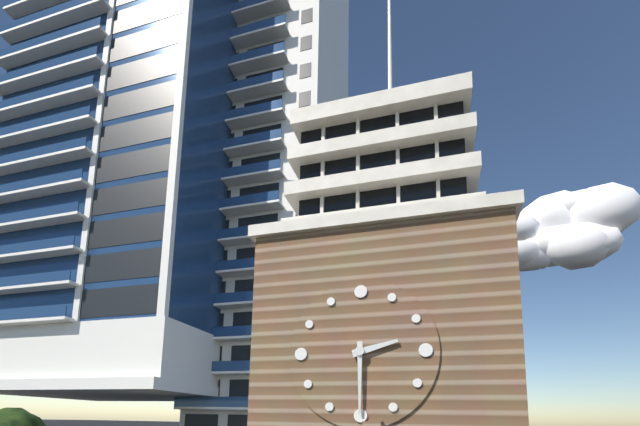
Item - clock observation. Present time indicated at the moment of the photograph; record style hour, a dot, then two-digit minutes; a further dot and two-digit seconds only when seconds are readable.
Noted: 2.30
